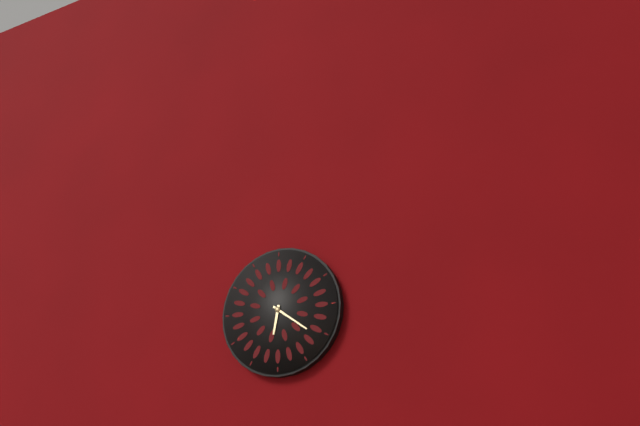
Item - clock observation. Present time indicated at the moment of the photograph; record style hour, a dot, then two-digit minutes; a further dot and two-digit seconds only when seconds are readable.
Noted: 6.21
